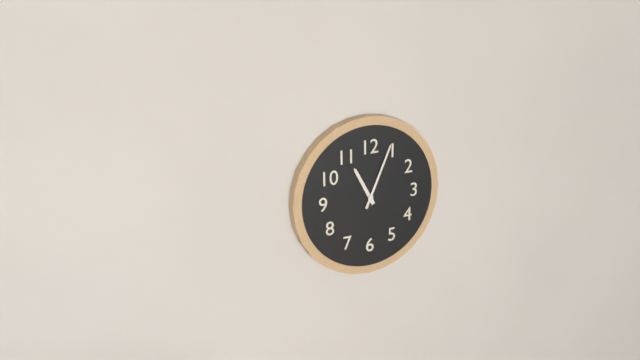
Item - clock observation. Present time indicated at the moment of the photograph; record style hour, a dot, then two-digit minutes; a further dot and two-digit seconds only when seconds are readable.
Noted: 11.04
